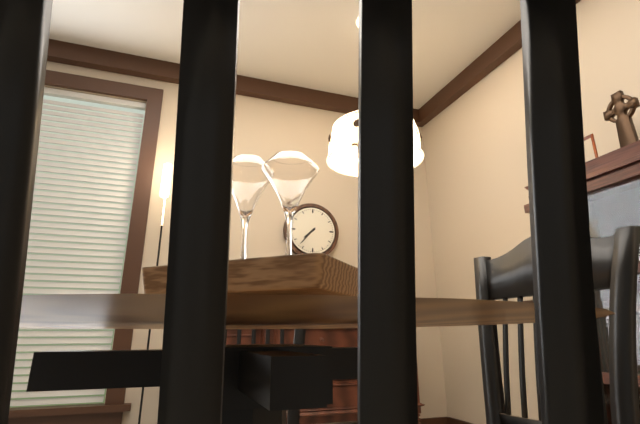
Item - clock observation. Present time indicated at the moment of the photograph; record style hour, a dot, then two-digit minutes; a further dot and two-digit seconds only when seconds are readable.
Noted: 7.37
